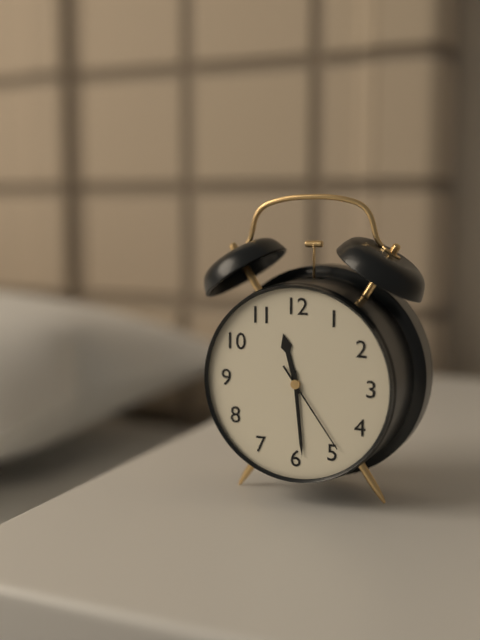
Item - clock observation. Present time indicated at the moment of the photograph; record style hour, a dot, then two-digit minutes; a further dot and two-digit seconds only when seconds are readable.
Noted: 11.29.24
